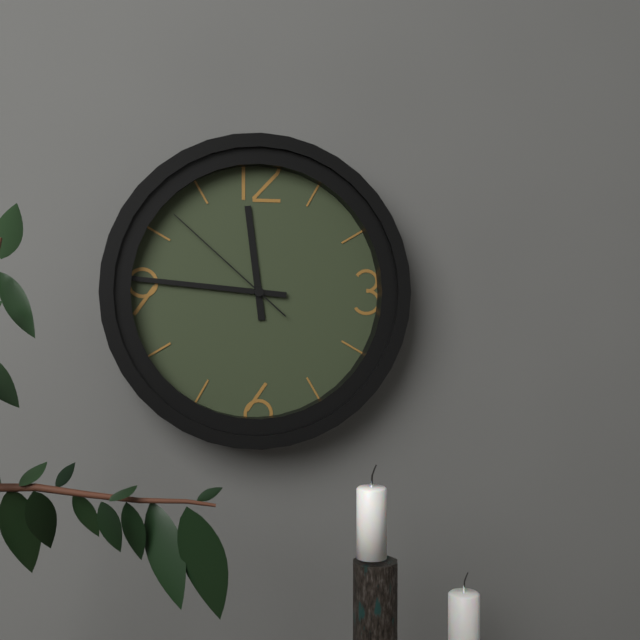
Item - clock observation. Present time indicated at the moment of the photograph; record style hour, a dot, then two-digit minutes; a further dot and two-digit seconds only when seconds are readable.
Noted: 11.46.52
